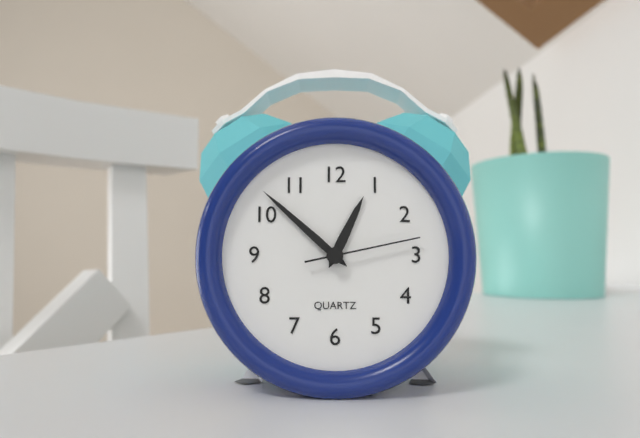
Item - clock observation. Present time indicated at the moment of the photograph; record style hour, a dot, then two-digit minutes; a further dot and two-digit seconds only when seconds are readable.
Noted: 12.52.13
